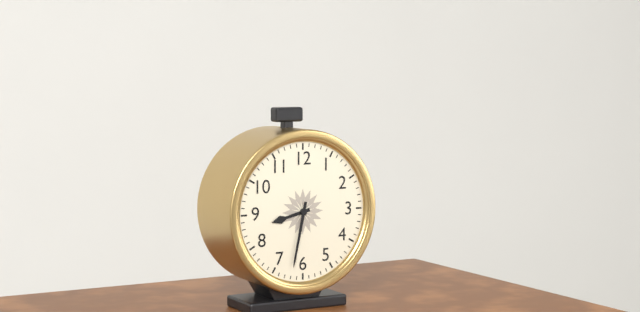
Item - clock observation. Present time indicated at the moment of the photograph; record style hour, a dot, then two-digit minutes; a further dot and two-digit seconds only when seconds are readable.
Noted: 8.32
